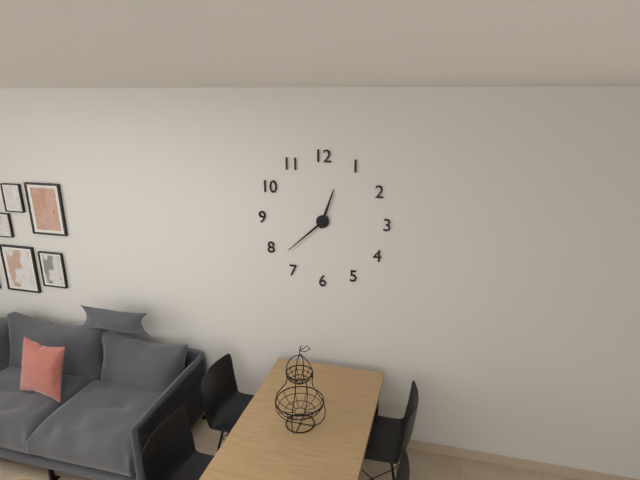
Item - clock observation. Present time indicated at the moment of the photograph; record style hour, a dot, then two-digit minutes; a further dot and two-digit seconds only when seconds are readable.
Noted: 12.38
